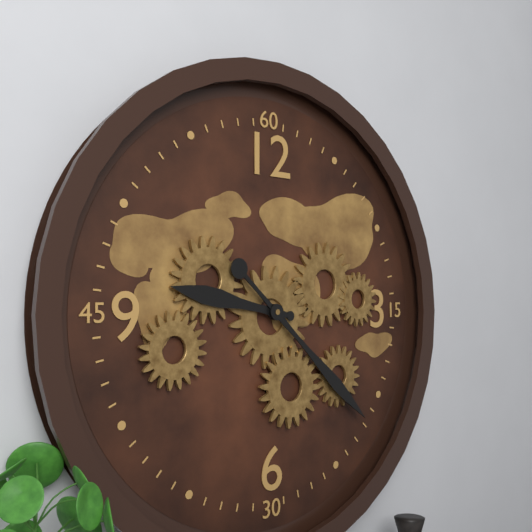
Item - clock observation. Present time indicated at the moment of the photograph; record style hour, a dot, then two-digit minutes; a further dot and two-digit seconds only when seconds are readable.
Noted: 9.22
